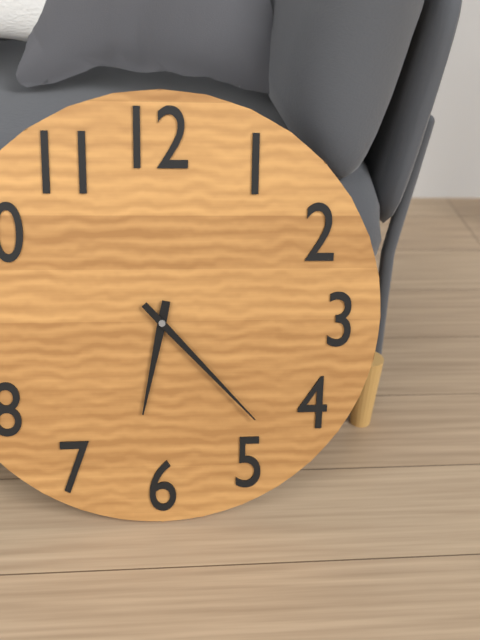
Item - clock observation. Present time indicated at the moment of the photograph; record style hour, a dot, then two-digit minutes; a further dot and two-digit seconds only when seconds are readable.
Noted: 6.23
